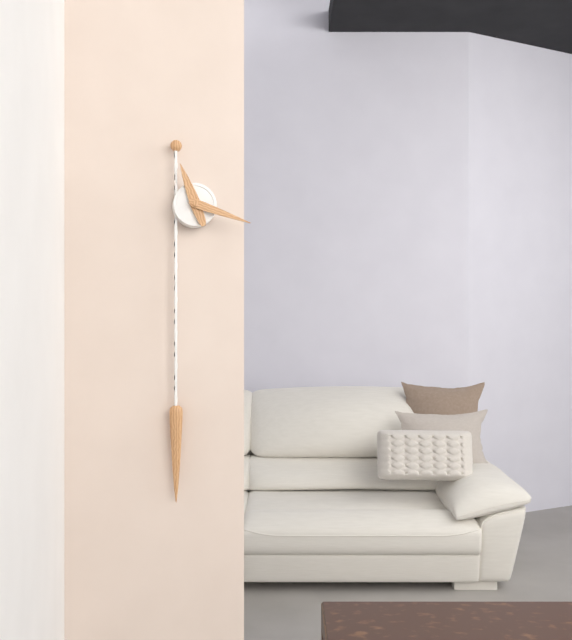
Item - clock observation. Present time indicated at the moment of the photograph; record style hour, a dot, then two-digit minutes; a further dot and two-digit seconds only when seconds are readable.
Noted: 11.18
